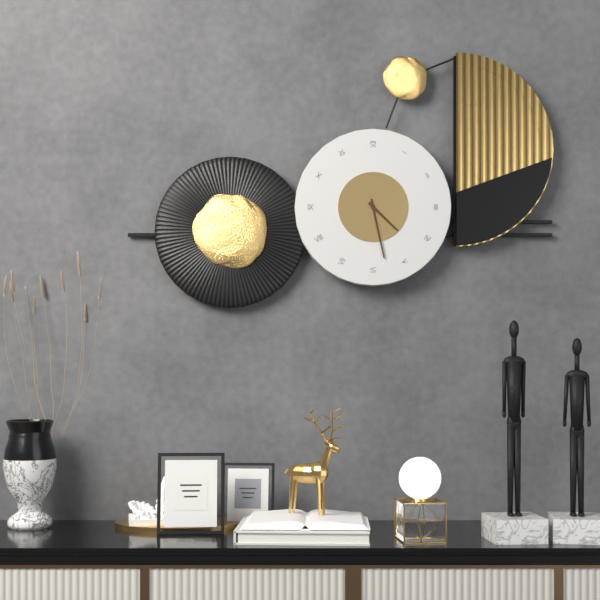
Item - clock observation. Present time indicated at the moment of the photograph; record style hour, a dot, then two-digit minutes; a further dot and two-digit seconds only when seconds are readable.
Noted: 4.28
